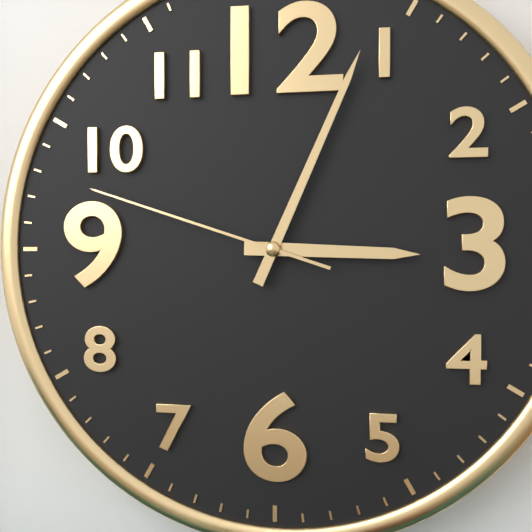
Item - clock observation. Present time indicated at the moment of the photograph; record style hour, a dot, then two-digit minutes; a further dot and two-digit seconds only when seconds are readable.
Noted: 3.04.48
